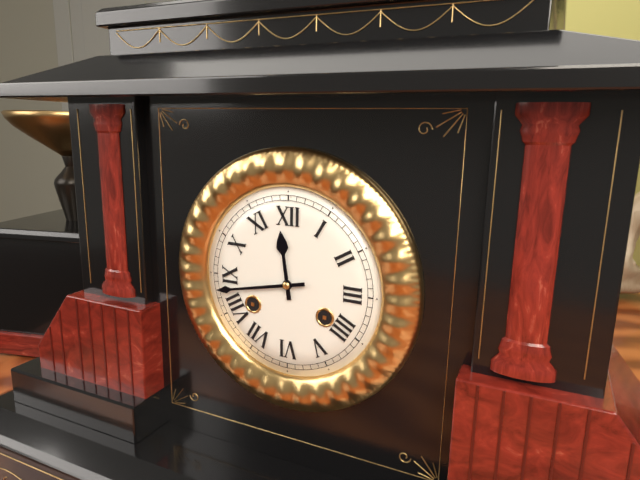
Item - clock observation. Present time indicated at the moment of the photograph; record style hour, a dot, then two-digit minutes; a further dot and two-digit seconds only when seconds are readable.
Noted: 11.43
